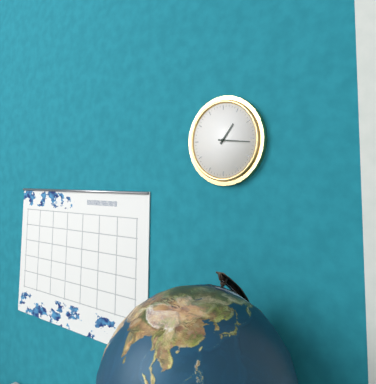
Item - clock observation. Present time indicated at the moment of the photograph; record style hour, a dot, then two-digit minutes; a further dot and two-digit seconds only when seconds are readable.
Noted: 1.16
